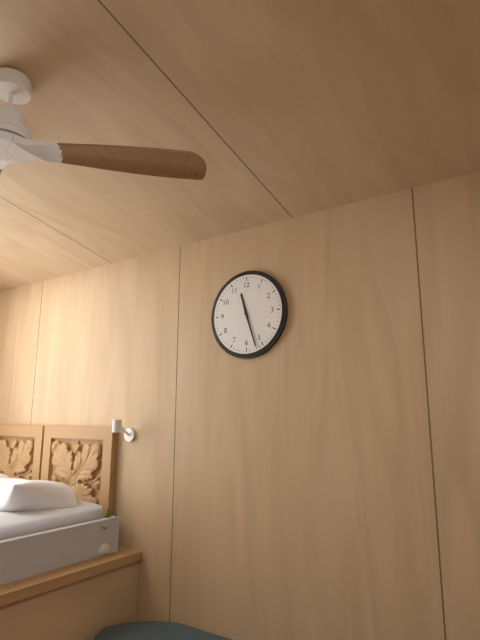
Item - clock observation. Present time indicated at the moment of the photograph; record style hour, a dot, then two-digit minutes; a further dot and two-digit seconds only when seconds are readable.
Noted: 11.27
